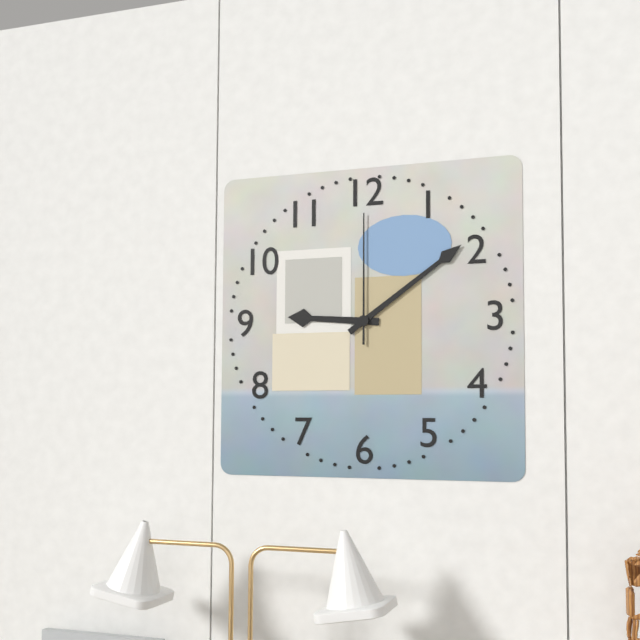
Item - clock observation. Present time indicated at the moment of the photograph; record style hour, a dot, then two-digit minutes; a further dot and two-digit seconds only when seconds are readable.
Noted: 9.09.00
